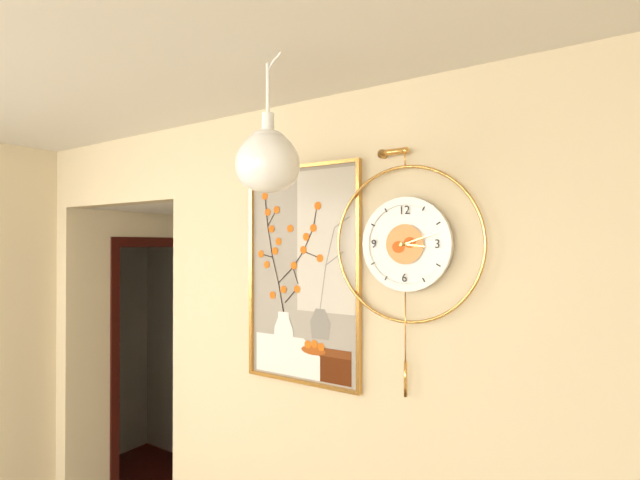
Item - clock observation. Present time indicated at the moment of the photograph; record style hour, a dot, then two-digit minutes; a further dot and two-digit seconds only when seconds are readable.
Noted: 3.12
